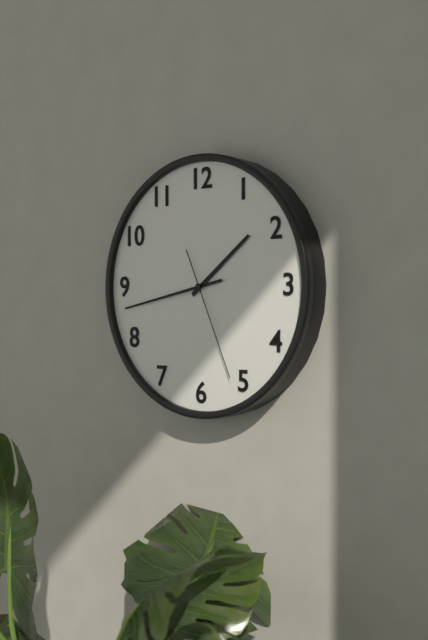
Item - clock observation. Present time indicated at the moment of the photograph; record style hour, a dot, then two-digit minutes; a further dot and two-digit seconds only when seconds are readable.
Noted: 1.43.26
